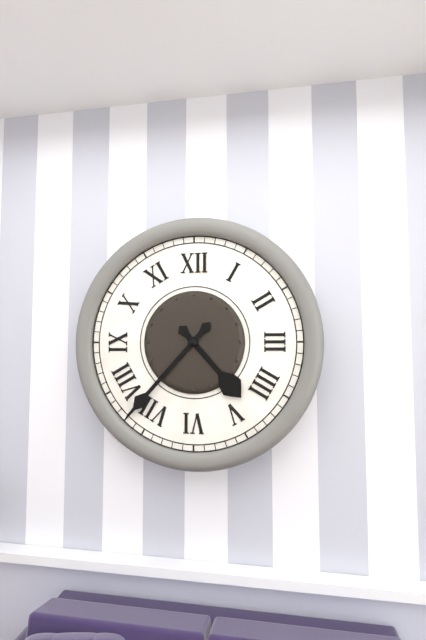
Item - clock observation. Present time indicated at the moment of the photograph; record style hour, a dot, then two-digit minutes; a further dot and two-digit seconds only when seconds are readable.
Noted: 4.37
